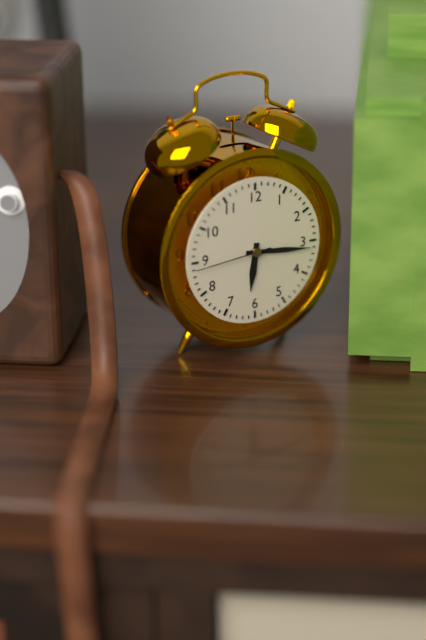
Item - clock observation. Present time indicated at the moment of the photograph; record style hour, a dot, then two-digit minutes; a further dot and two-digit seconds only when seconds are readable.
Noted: 6.16.44
